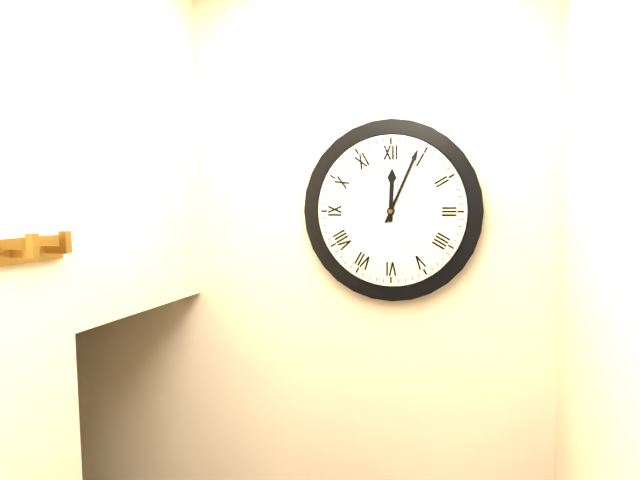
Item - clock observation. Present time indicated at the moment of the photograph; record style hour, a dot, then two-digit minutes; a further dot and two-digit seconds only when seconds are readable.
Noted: 12.04
